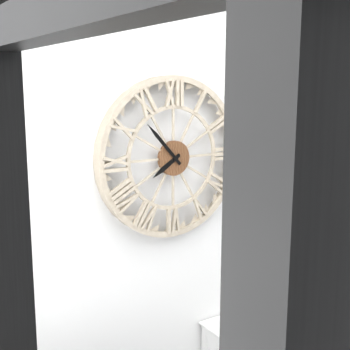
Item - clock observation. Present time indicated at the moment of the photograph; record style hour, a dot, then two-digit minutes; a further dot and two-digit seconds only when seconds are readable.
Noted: 7.53
